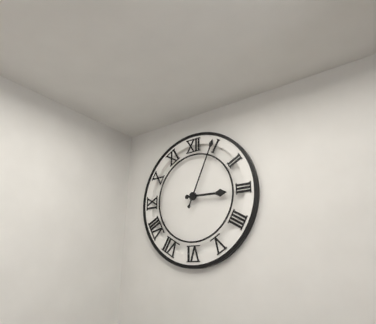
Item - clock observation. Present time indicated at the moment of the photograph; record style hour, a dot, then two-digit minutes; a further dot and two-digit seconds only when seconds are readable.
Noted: 3.04
